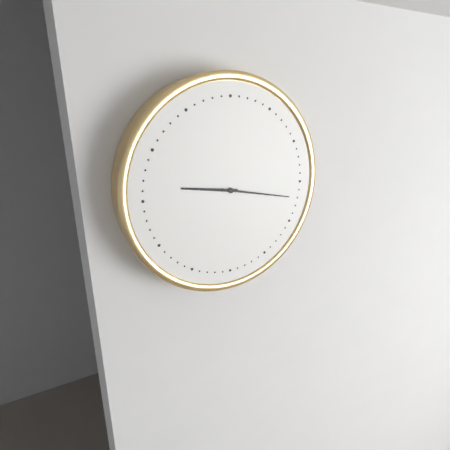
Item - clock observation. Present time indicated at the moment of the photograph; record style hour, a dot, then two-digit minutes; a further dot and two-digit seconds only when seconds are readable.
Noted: 9.17
